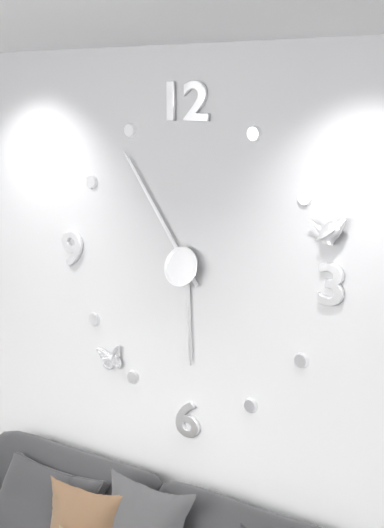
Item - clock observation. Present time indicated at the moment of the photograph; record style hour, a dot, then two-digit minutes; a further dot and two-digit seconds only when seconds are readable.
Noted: 5.54
